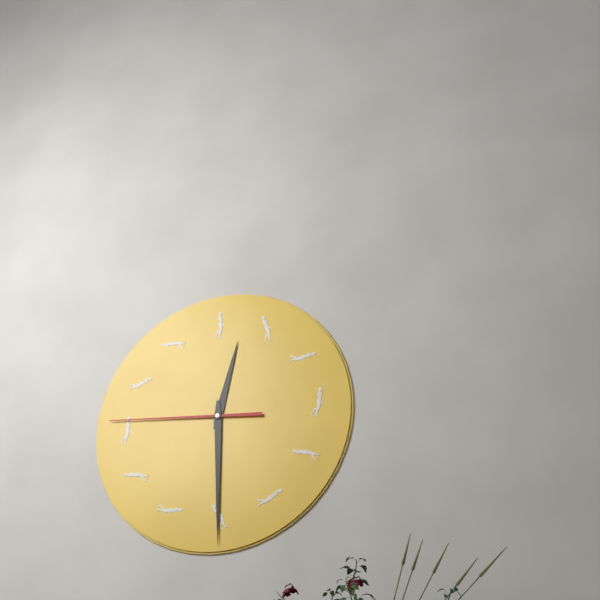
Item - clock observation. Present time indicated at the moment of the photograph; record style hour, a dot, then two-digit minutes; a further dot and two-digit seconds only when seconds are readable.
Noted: 12.30.46
